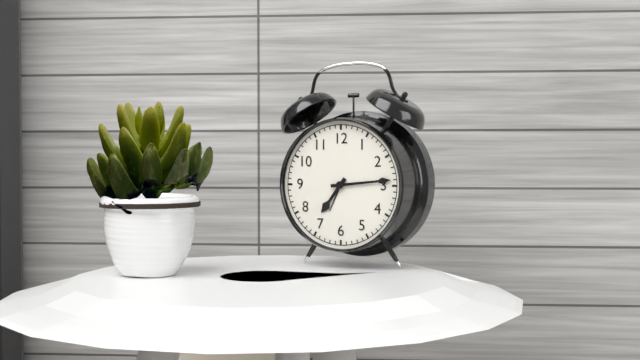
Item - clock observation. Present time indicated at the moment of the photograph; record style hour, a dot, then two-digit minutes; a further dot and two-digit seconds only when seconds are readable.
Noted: 7.14
